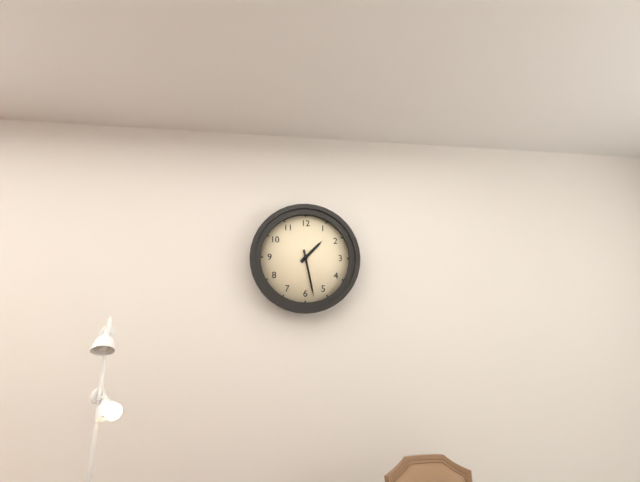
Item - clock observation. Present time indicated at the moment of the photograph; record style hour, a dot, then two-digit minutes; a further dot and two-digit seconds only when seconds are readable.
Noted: 1.28
